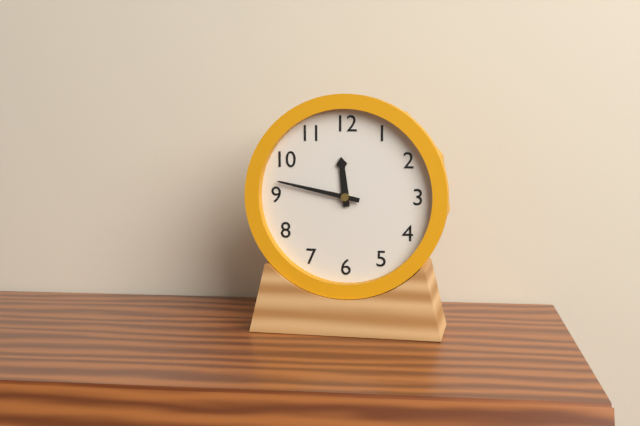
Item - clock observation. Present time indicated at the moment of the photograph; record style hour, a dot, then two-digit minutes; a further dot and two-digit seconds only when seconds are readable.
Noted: 11.47
